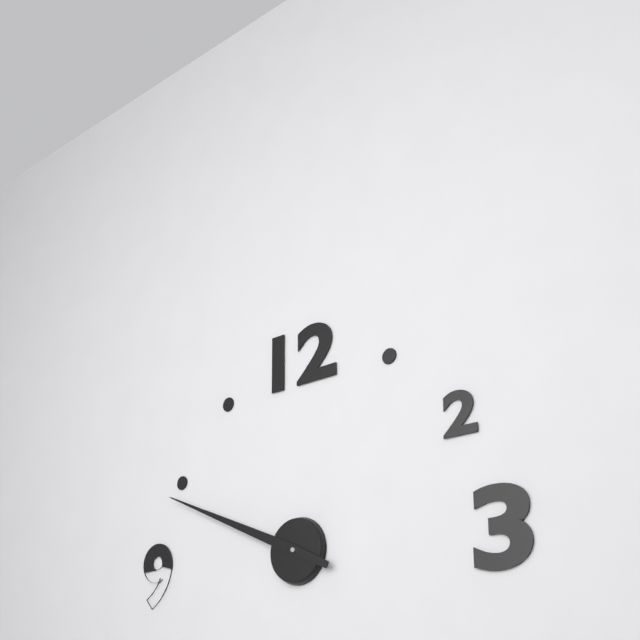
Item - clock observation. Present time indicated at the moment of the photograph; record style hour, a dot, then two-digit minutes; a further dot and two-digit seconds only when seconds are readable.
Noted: 9.49
